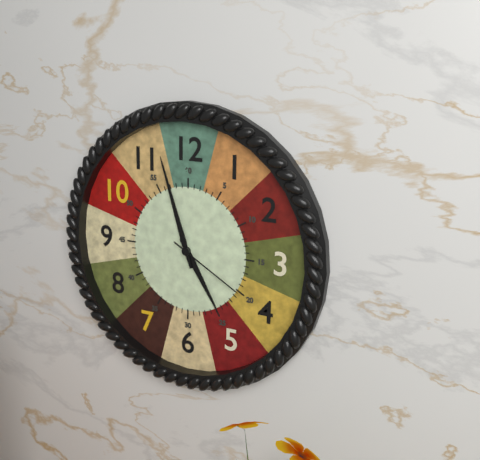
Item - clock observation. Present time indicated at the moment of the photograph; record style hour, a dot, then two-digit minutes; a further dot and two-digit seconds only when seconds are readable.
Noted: 4.57.20
